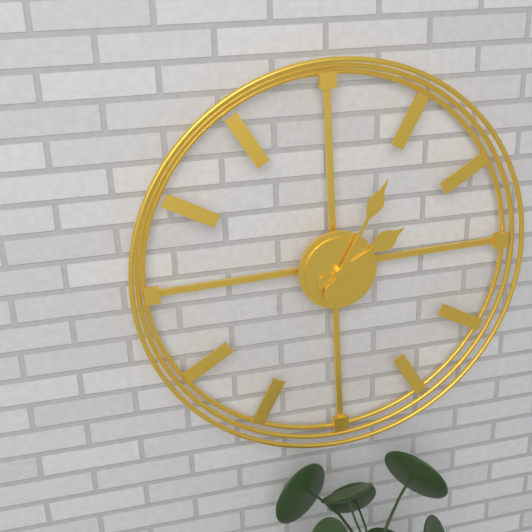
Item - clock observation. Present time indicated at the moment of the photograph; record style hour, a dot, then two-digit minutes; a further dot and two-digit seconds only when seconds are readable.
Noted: 2.05
